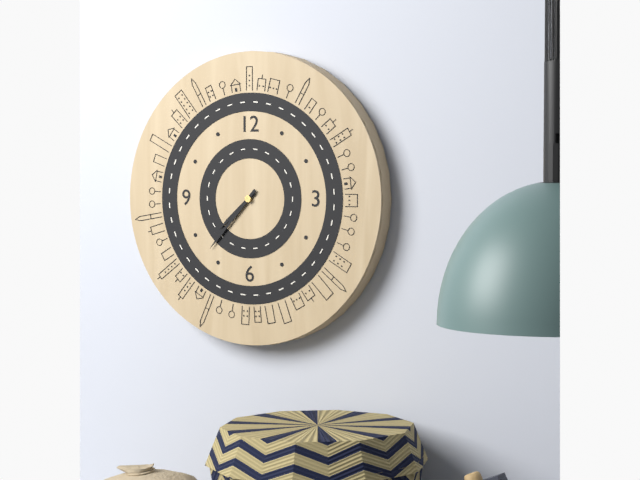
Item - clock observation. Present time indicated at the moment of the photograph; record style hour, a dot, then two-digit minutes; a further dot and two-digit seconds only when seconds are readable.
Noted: 7.37
